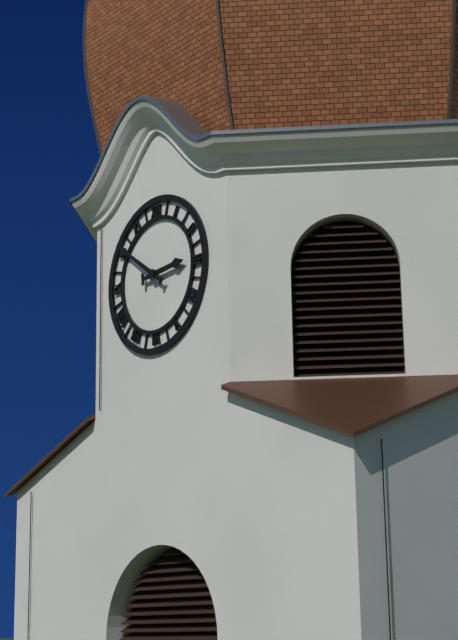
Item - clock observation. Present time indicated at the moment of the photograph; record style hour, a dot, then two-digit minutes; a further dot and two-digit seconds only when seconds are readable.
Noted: 2.51
